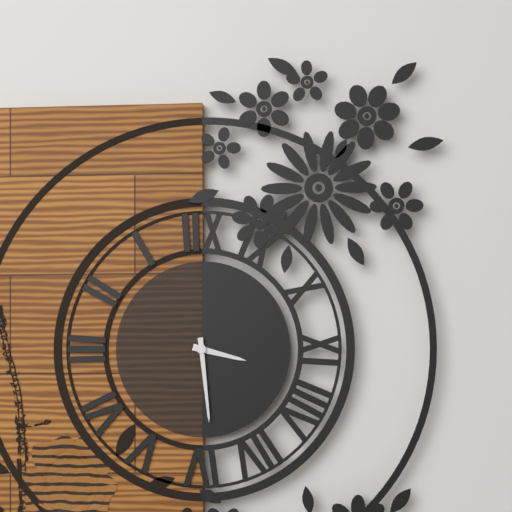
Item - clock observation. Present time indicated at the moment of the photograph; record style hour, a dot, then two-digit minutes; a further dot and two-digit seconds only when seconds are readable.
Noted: 3.29
